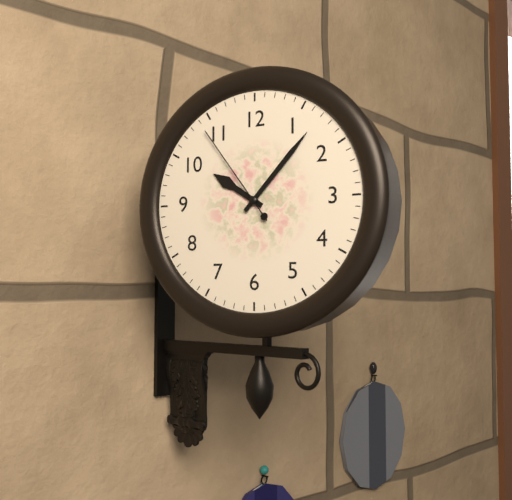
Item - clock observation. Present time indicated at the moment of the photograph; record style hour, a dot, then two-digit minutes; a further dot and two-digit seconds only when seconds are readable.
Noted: 10.07.54
